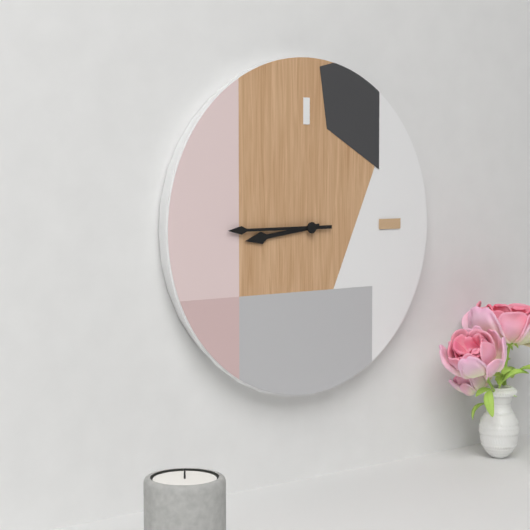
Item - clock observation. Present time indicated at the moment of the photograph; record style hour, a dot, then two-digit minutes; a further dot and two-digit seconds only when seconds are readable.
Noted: 8.45
